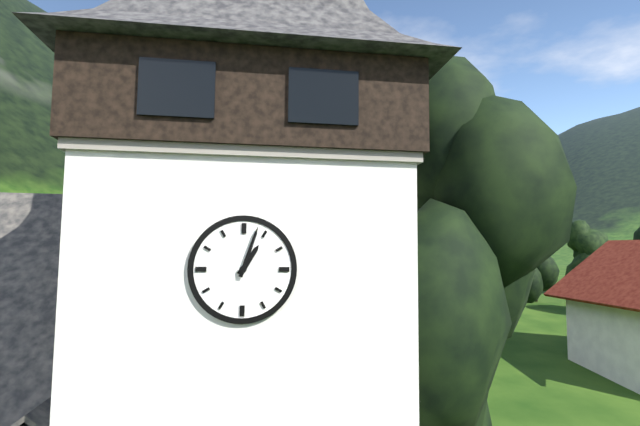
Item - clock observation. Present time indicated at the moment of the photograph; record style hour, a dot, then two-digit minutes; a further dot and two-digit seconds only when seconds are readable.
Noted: 1.03
